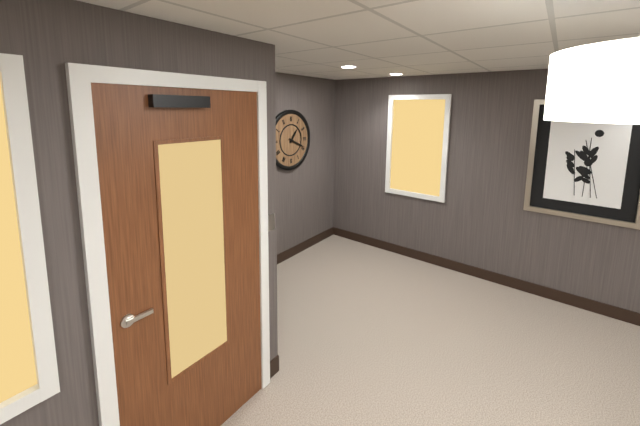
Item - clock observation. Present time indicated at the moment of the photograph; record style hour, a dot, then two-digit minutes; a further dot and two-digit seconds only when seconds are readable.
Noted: 1.19
